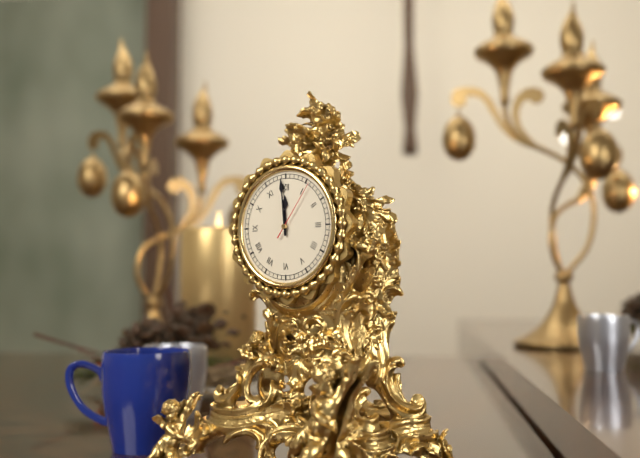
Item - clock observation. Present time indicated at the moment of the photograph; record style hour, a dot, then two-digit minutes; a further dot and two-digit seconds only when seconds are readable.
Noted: 11.59.06
